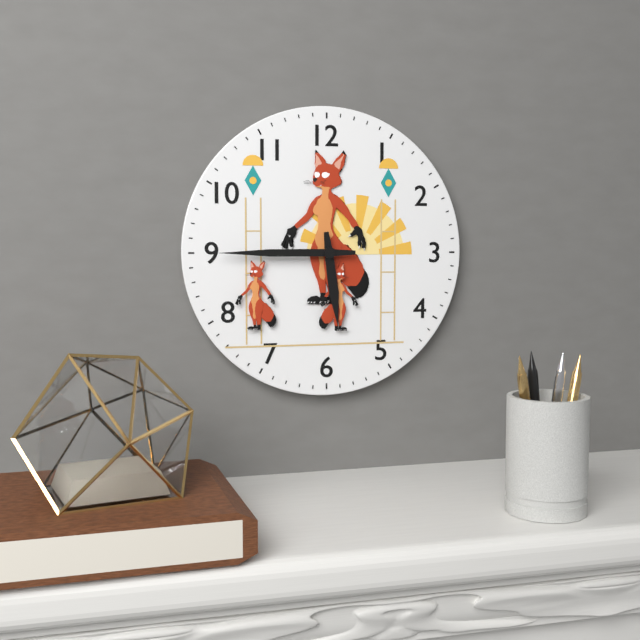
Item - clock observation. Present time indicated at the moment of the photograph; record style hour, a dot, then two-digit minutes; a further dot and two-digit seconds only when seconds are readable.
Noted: 5.45
